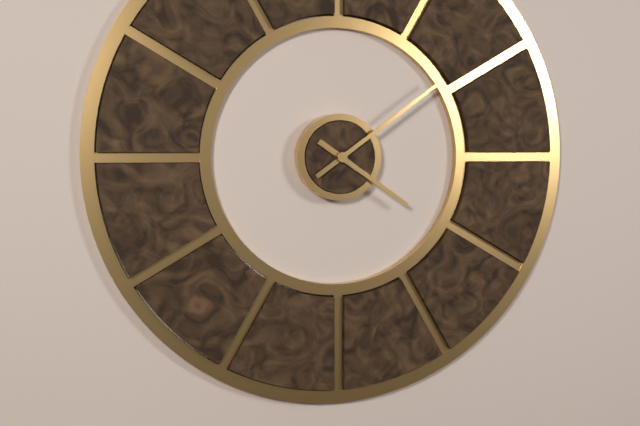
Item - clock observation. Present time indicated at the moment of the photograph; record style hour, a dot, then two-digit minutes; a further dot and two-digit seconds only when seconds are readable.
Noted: 4.09
